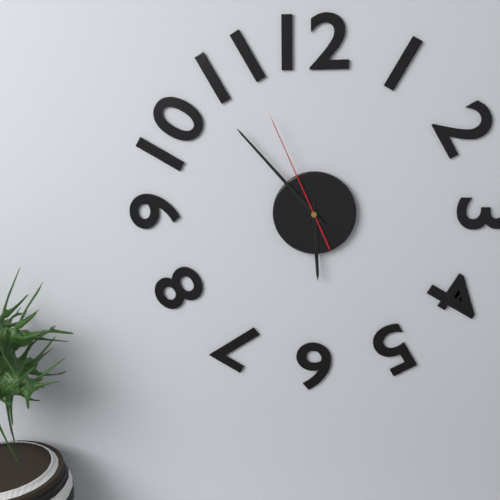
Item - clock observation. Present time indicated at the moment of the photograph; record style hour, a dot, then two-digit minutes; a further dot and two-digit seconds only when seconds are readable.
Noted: 5.53.56
